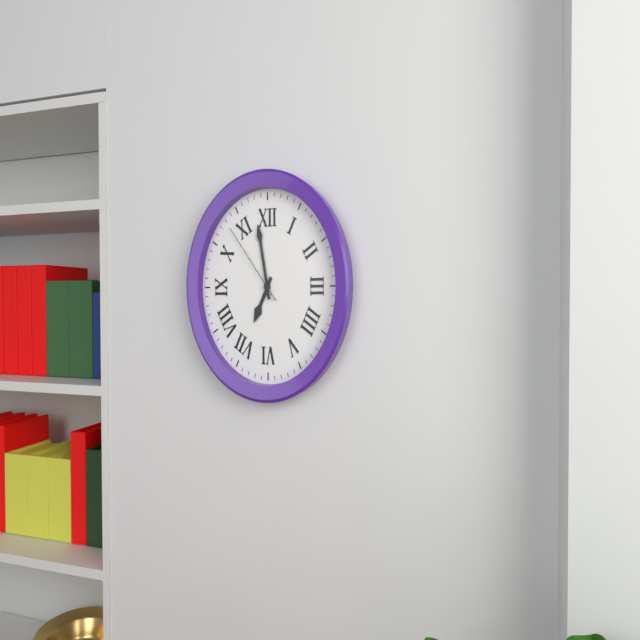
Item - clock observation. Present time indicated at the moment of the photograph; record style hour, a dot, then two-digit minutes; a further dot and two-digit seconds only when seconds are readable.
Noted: 6.58.53
